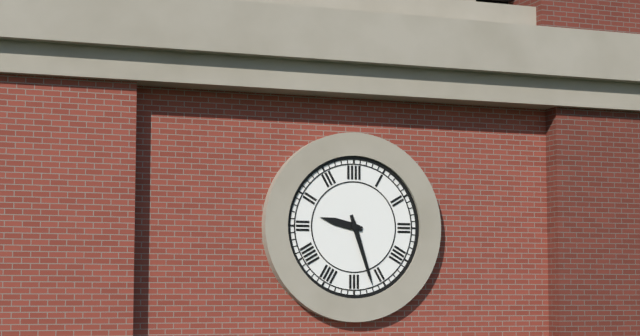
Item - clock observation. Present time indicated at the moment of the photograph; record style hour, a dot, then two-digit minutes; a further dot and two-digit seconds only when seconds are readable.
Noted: 9.27
